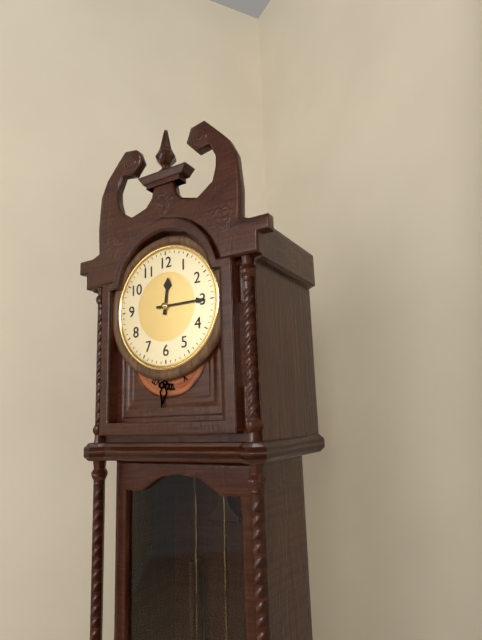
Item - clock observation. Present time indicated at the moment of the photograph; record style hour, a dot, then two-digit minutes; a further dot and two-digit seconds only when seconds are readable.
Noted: 12.15
